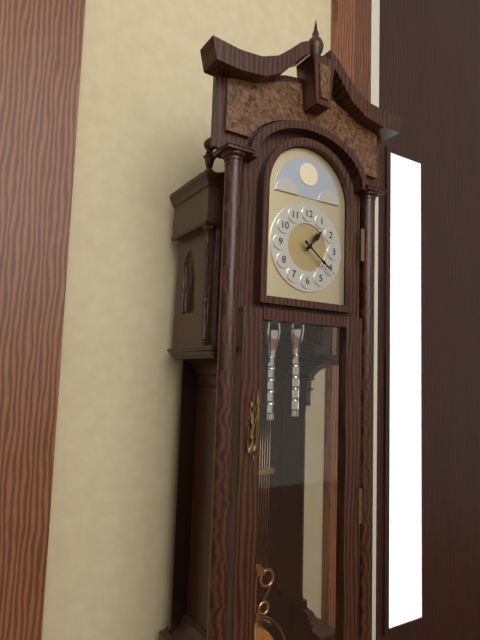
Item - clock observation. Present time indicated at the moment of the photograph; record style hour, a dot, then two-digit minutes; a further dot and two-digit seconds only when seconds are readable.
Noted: 1.21
